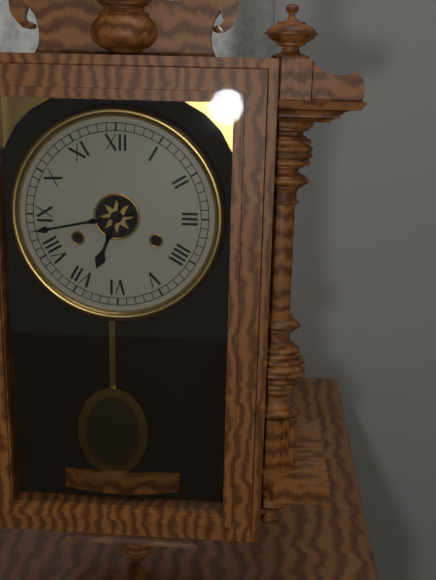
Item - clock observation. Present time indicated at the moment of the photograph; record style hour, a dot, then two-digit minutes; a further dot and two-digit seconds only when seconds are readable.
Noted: 6.43
